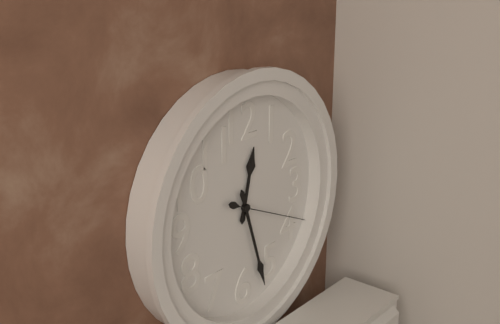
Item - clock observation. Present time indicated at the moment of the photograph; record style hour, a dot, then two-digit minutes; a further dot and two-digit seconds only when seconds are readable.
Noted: 12.27.19
